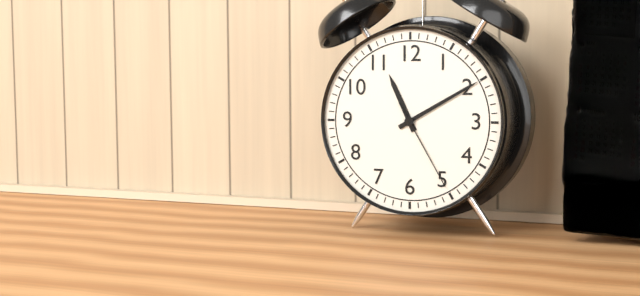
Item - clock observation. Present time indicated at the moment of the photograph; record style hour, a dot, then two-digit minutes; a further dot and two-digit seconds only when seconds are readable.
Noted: 11.10.25
